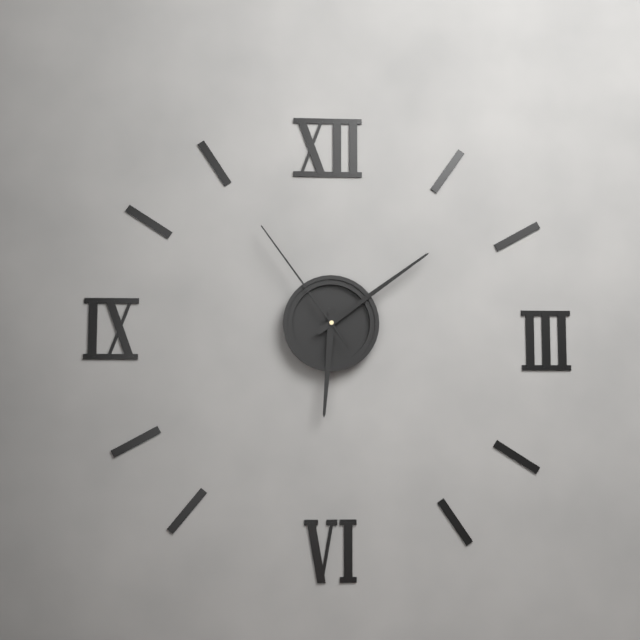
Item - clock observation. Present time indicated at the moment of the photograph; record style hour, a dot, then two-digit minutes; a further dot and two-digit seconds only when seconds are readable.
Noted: 6.09.54
